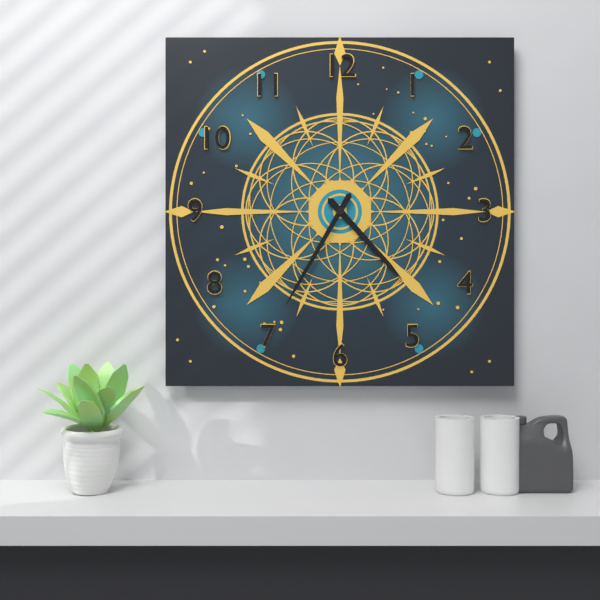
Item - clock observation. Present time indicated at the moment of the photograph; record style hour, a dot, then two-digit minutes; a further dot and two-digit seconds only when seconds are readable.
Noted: 4.35
